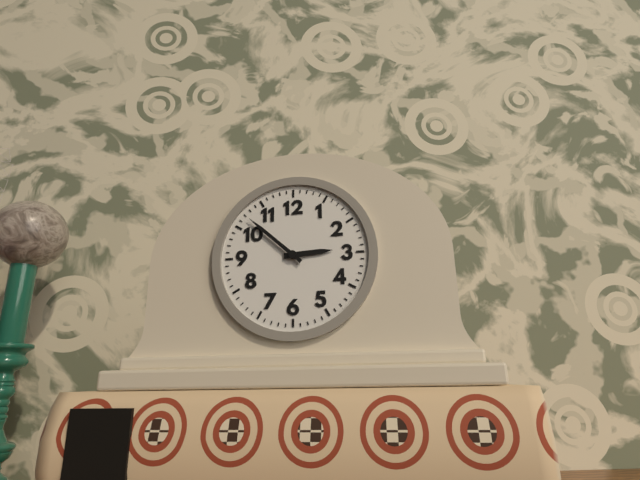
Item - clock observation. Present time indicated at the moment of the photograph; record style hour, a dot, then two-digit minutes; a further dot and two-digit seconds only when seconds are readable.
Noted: 2.52
